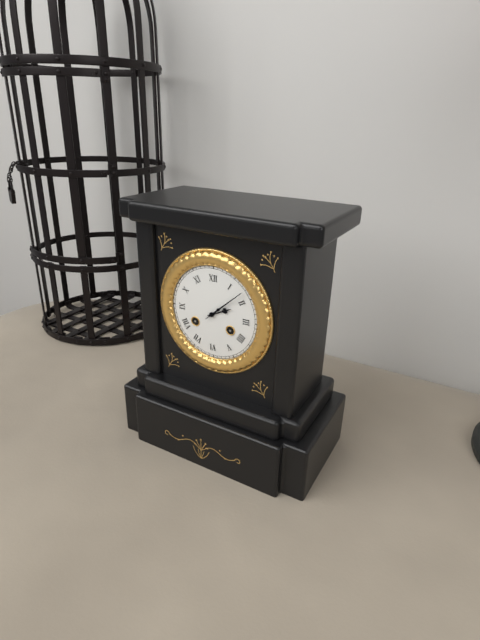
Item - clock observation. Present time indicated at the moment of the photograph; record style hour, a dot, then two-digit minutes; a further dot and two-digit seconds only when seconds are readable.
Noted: 2.08
